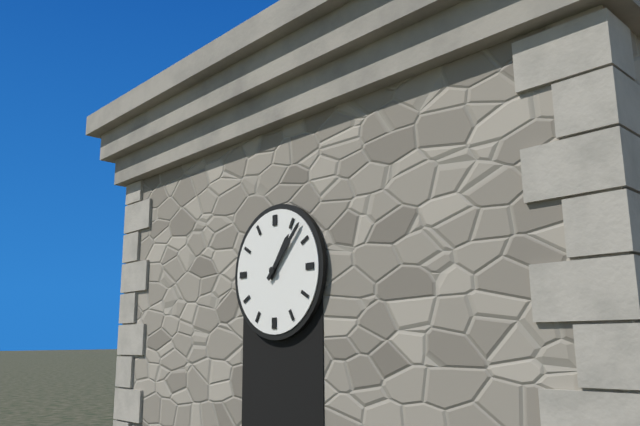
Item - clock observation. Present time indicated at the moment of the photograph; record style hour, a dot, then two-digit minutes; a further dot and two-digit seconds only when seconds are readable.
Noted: 1.07
